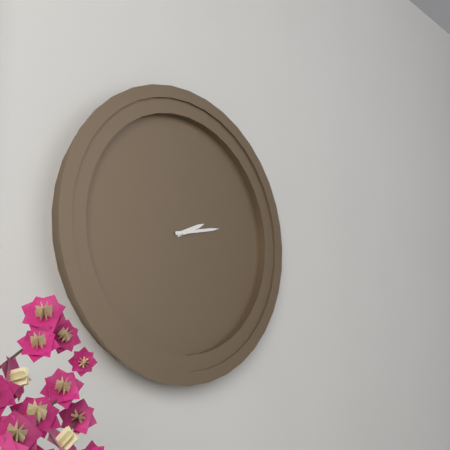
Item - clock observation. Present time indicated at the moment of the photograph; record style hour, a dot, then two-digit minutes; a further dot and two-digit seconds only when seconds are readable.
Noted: 2.13
